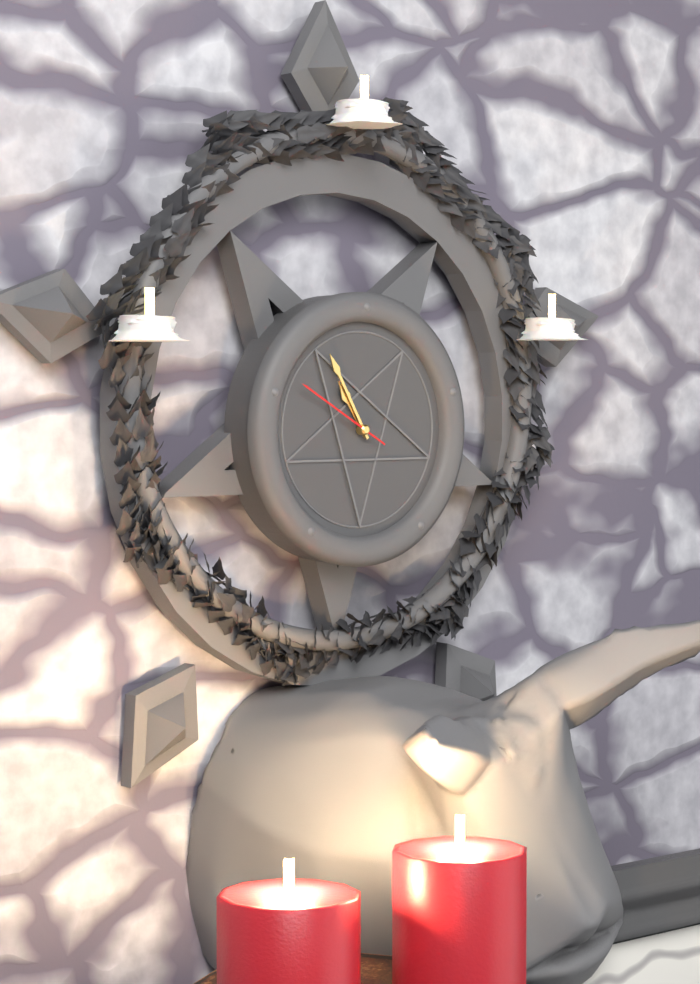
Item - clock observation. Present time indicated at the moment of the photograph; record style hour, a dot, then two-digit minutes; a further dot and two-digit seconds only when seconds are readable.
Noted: 10.55.50
